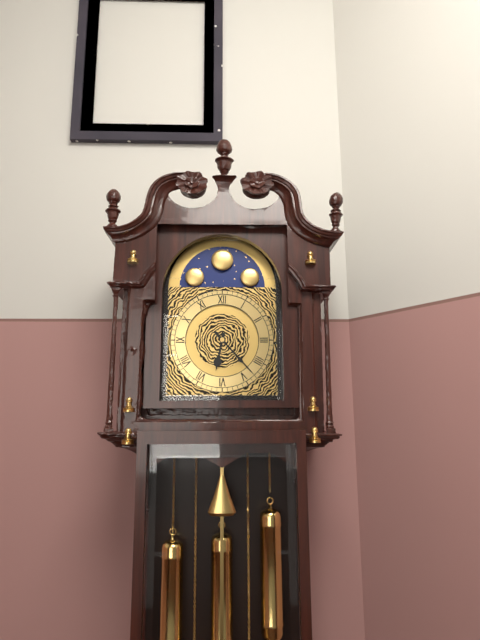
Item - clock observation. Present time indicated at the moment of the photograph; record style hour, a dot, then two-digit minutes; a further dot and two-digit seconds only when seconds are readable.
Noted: 6.23
